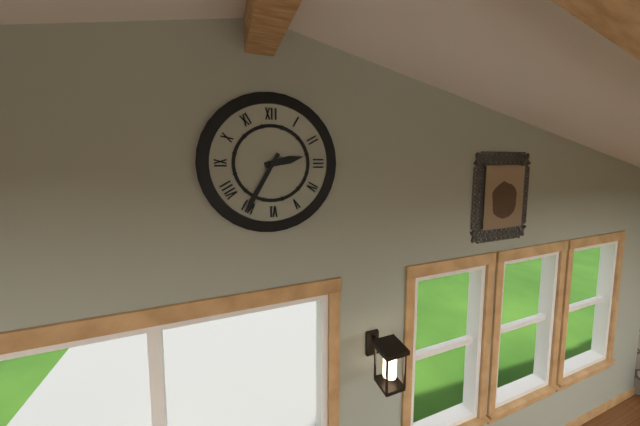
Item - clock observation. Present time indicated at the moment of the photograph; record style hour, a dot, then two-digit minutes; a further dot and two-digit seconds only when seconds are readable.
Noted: 2.35
